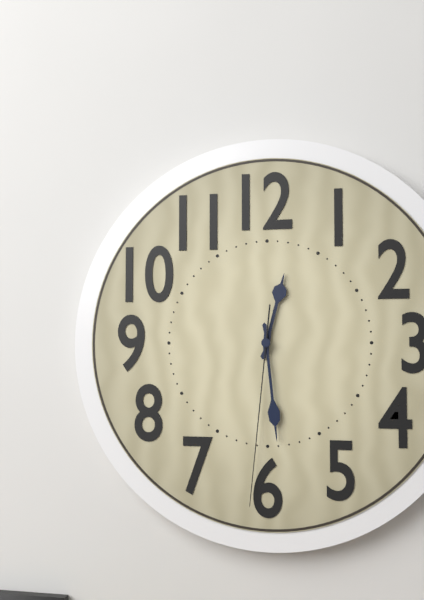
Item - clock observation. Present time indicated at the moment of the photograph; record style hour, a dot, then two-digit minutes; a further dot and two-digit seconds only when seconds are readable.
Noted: 12.29.31
